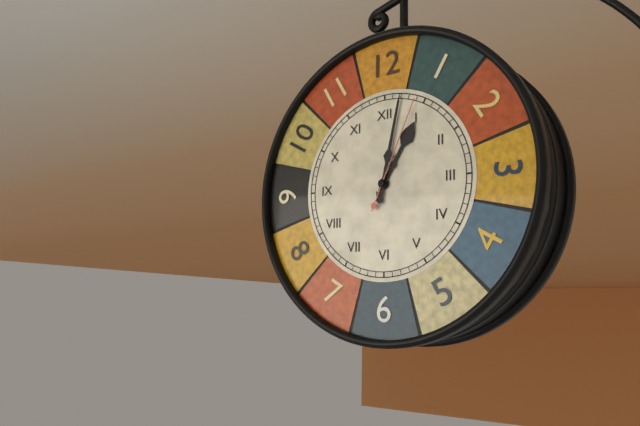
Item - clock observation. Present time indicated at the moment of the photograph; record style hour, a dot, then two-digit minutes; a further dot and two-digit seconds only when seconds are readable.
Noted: 1.02.04
